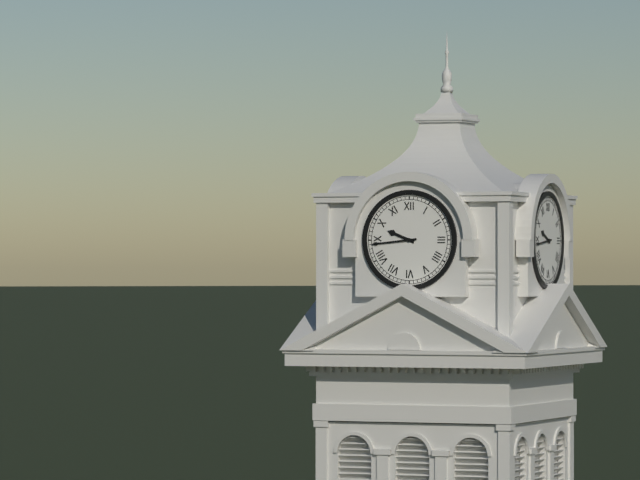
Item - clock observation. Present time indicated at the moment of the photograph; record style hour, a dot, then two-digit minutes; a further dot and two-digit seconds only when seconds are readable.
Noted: 9.44
